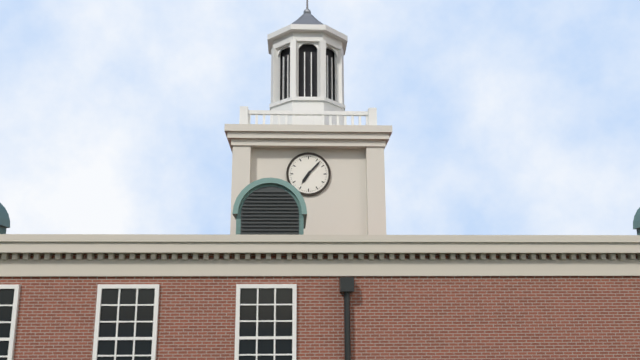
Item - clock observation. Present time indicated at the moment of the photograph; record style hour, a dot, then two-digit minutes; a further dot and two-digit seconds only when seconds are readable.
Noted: 7.07
